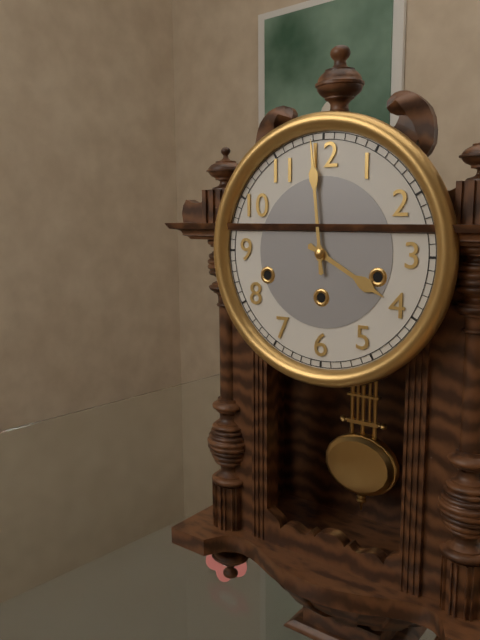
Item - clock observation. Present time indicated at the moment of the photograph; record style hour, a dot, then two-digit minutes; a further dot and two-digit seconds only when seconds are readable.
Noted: 3.59
